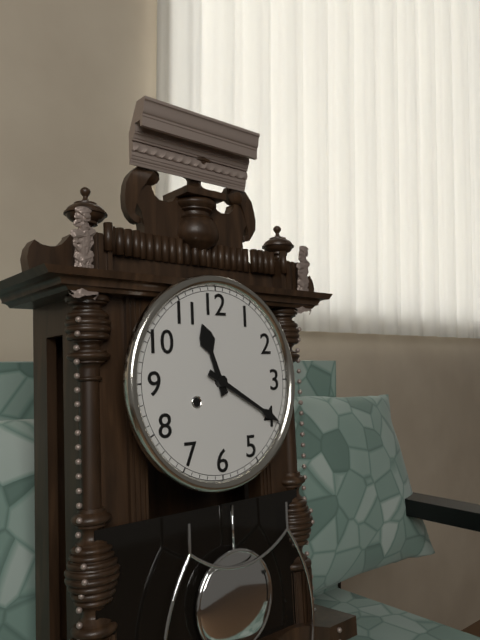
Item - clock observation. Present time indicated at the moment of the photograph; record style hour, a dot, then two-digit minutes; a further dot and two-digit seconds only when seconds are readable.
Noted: 11.20
